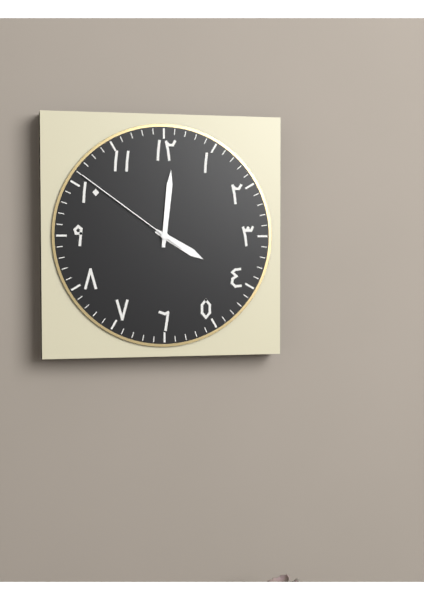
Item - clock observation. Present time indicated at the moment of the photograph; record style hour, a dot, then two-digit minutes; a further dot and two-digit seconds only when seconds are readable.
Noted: 4.01.51
